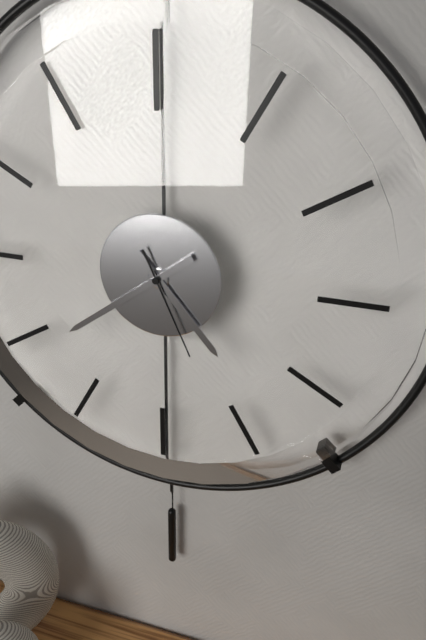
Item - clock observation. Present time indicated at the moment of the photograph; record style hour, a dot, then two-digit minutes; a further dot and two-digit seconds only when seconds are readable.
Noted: 4.39.26
